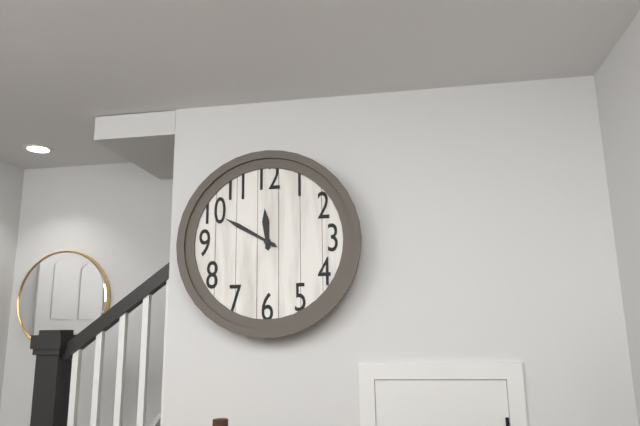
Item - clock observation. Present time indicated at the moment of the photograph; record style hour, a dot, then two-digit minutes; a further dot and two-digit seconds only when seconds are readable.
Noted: 11.50
